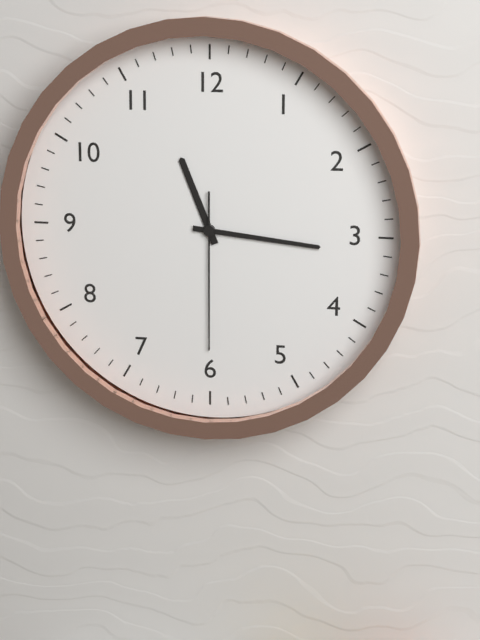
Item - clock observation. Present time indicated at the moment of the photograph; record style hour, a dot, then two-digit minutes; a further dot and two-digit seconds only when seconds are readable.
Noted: 11.16.30
